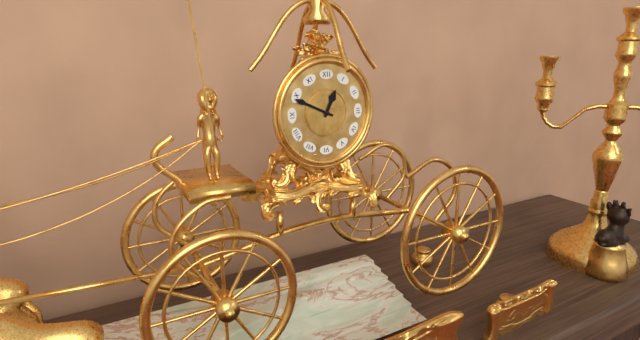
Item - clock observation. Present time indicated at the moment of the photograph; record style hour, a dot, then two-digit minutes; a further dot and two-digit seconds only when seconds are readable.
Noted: 12.49
